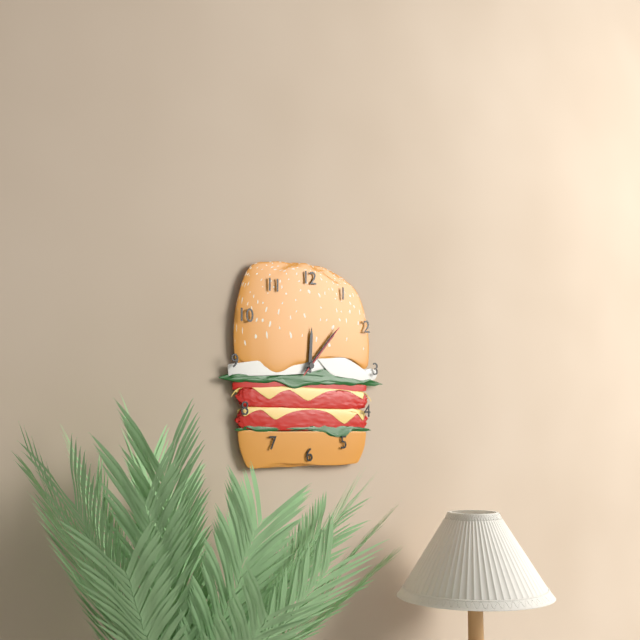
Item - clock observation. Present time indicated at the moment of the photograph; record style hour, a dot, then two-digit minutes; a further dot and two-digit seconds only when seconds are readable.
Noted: 12.07.07
